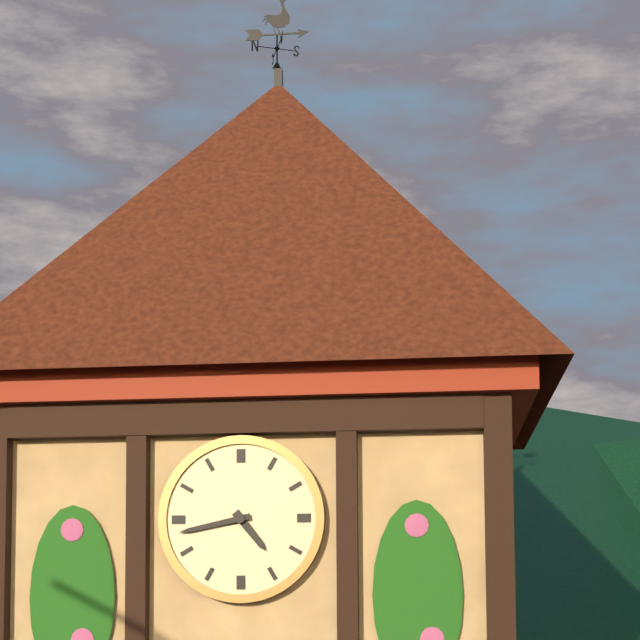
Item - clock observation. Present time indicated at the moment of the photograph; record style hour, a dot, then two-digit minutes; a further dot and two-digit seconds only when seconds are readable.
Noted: 4.43
